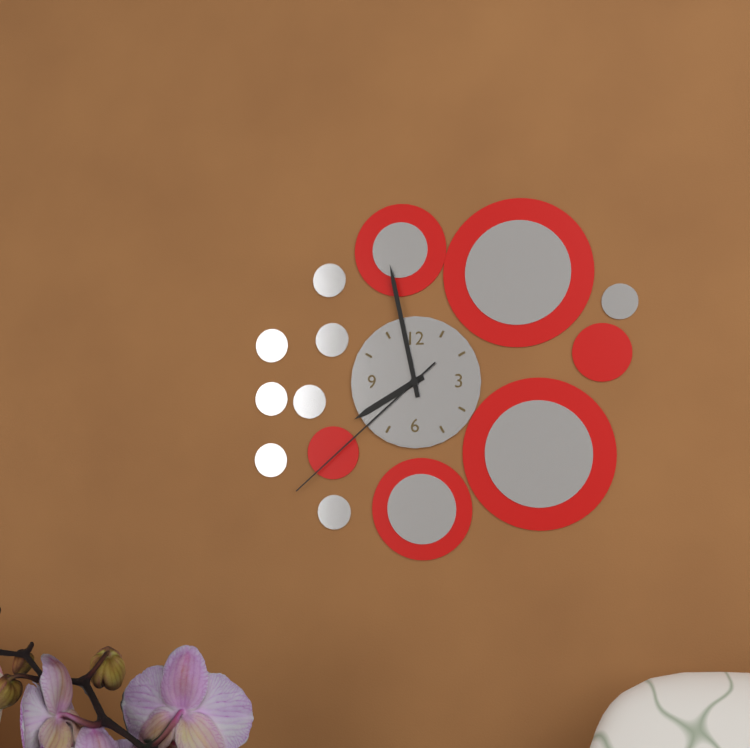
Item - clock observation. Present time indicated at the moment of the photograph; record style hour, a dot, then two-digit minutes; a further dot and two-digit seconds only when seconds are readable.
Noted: 7.58.38
